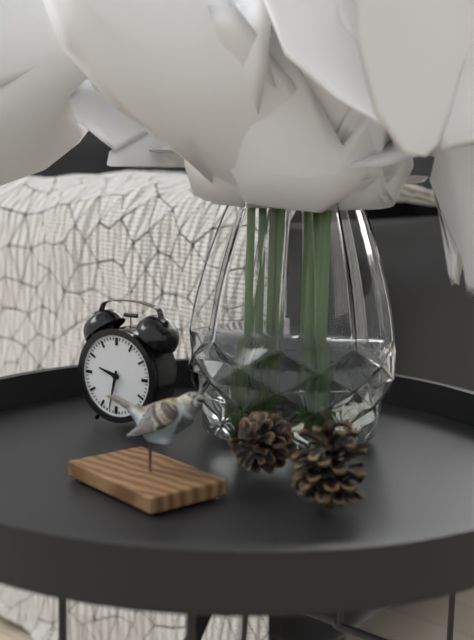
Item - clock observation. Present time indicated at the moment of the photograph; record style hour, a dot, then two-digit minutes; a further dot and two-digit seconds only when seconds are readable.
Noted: 9.32
